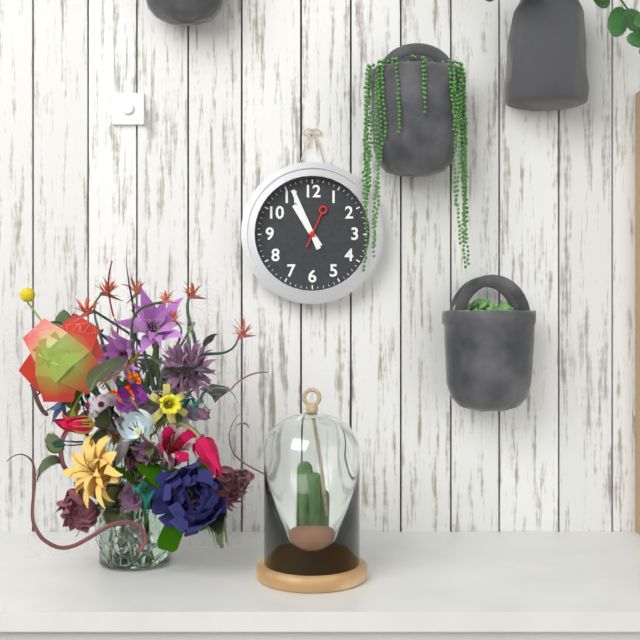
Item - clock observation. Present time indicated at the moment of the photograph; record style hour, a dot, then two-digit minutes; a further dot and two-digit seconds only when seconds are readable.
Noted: 10.56
